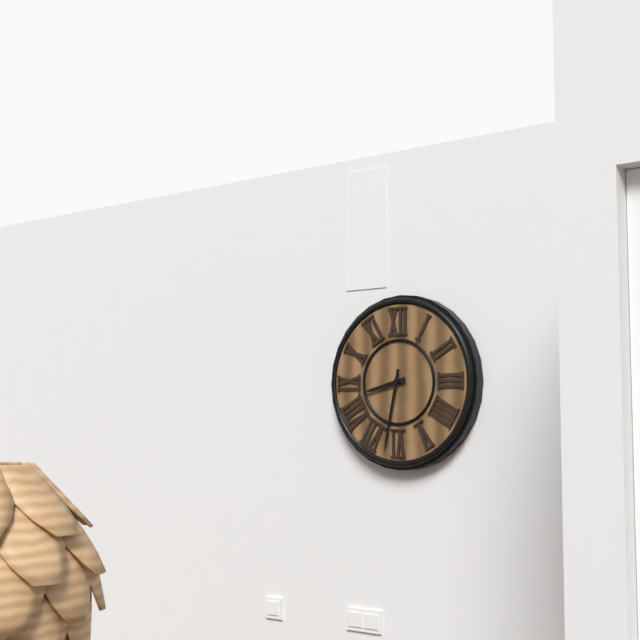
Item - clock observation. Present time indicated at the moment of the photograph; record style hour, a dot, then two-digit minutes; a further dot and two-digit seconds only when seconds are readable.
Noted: 8.32
